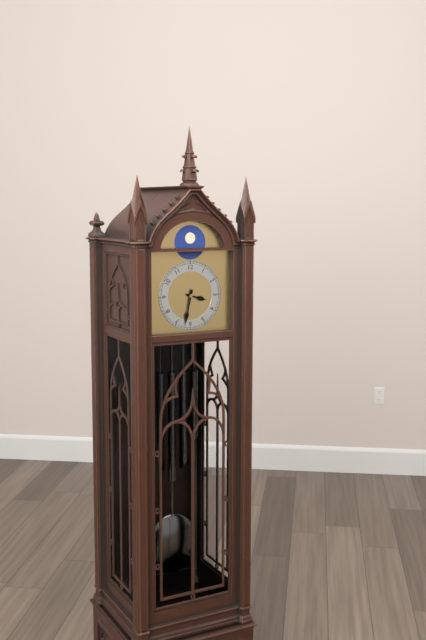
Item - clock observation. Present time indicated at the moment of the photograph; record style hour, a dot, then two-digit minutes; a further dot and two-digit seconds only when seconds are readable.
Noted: 3.32
